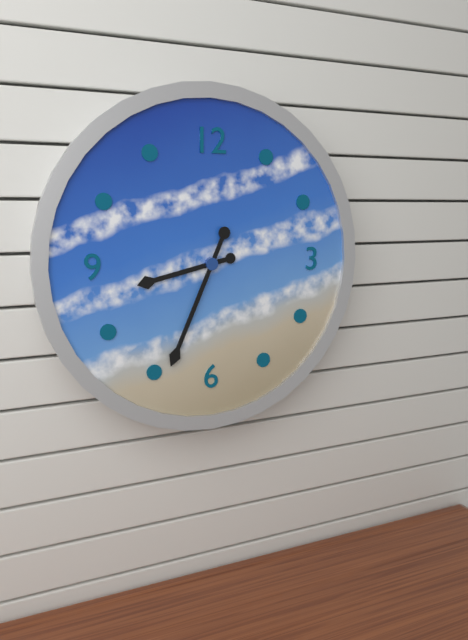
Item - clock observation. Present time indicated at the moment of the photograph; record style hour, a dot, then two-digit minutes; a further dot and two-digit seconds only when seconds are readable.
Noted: 8.34
